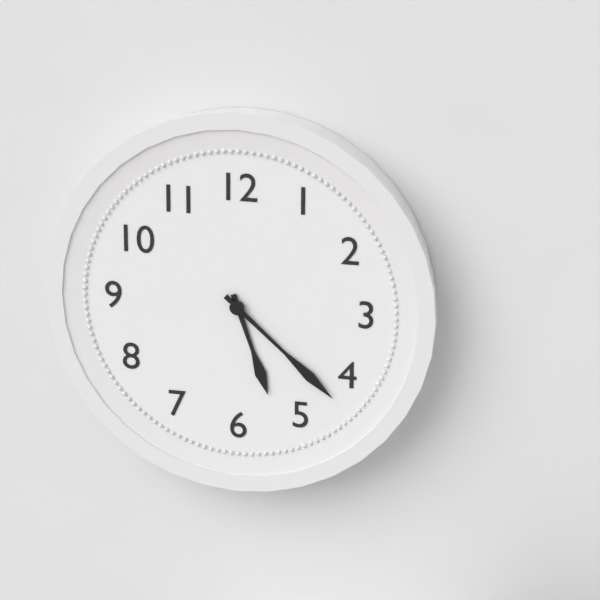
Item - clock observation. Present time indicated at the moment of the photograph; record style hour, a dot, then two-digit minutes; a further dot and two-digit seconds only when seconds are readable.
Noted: 5.22
